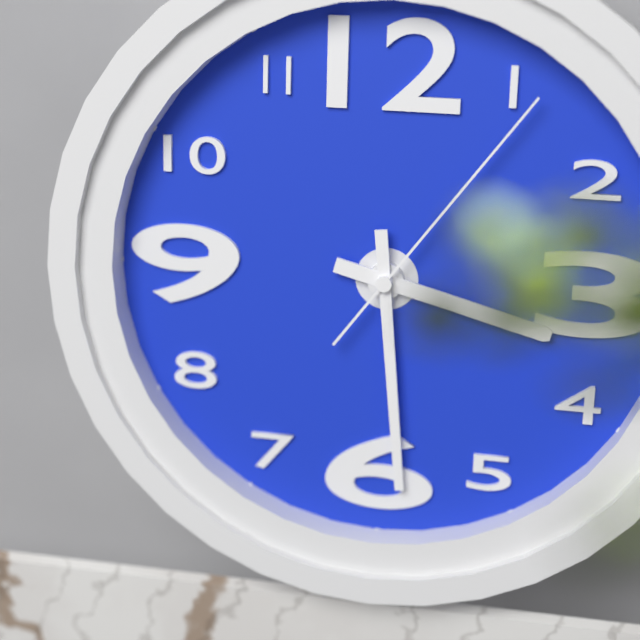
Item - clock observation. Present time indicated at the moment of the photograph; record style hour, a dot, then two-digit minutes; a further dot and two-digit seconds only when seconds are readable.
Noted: 3.29.06
